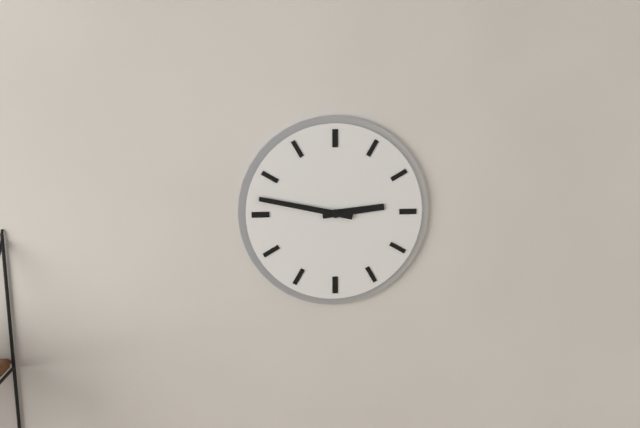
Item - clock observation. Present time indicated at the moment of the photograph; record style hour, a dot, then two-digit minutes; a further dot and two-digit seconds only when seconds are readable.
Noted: 2.47
